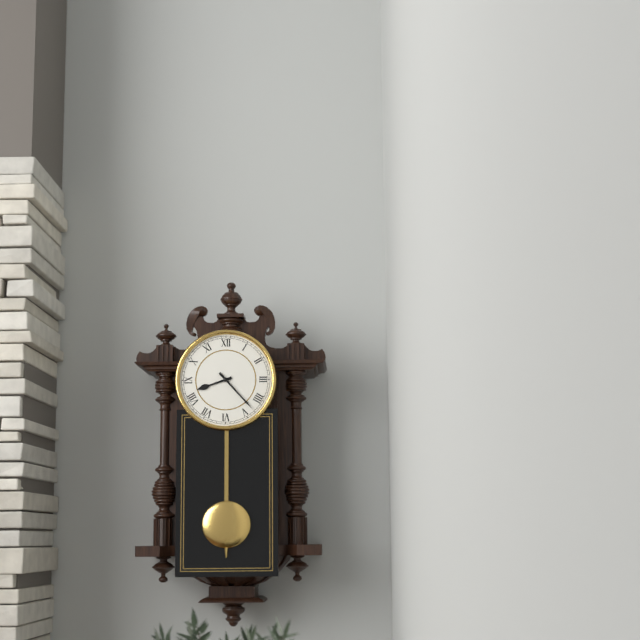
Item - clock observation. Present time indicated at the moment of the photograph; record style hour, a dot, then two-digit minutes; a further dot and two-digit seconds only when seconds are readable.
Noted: 8.23
